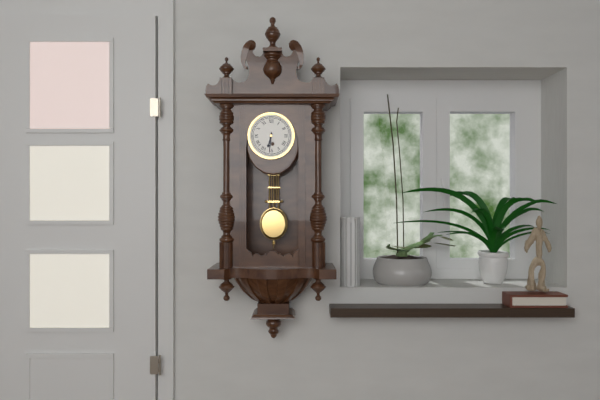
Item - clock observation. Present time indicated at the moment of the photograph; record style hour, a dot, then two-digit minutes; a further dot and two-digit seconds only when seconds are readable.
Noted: 6.31
